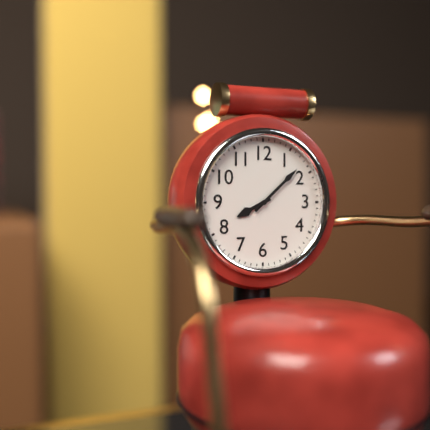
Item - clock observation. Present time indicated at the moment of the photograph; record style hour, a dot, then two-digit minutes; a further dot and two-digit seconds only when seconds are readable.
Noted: 8.08
